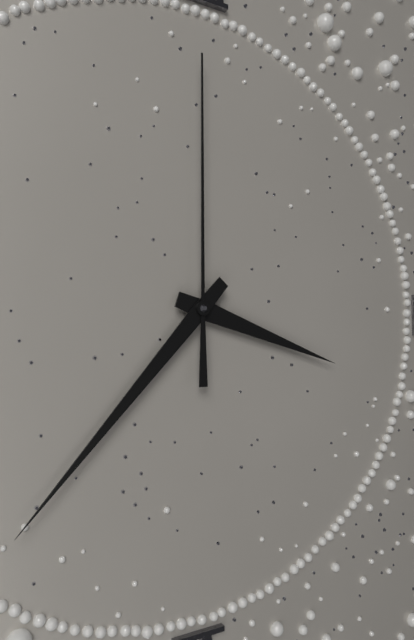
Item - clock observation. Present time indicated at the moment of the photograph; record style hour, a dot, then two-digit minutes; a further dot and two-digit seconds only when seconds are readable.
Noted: 3.37.00
